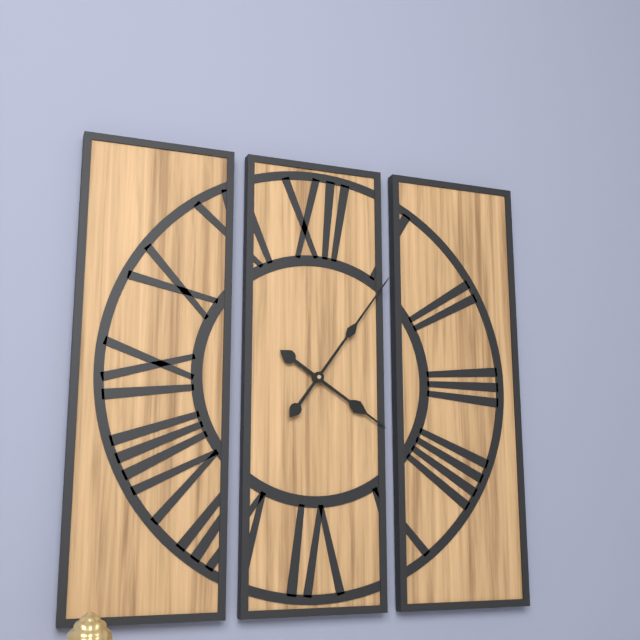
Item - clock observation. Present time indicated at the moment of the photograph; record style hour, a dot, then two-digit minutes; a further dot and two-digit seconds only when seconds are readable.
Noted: 4.06
